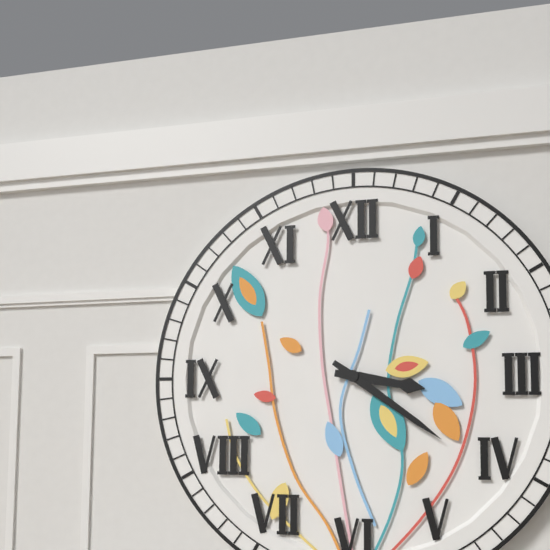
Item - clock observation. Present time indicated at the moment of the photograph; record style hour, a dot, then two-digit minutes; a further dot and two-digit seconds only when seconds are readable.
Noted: 3.21
